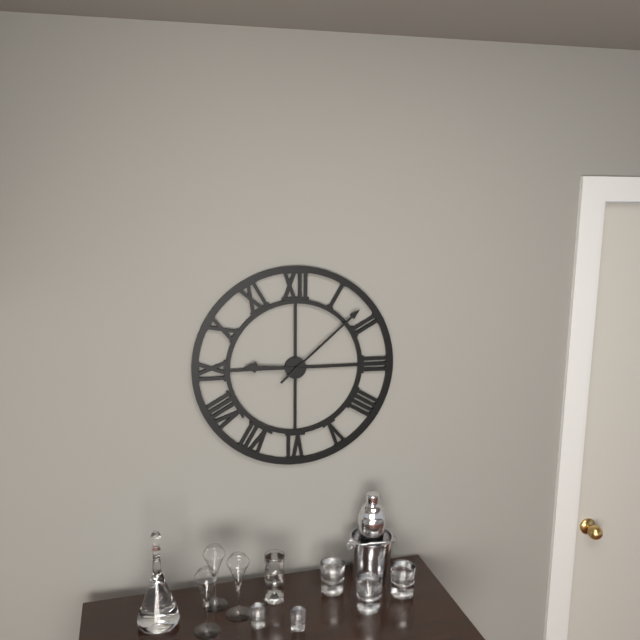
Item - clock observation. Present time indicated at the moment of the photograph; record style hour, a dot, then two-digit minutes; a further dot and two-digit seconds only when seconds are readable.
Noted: 9.08
